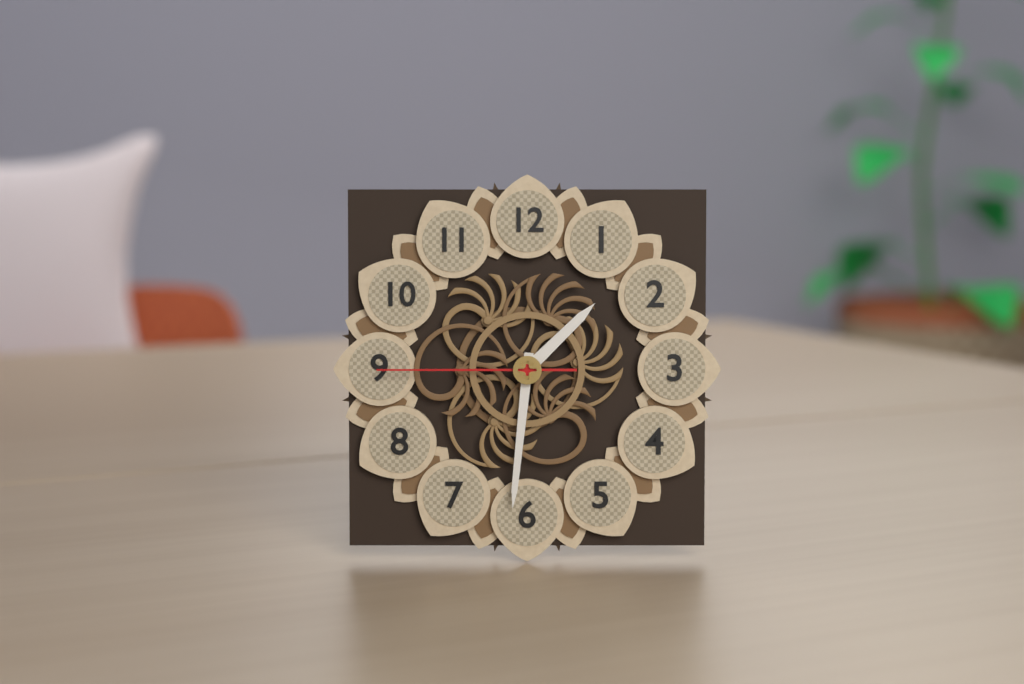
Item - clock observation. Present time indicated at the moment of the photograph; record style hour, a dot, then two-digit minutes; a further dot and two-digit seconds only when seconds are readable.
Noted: 1.31.45
